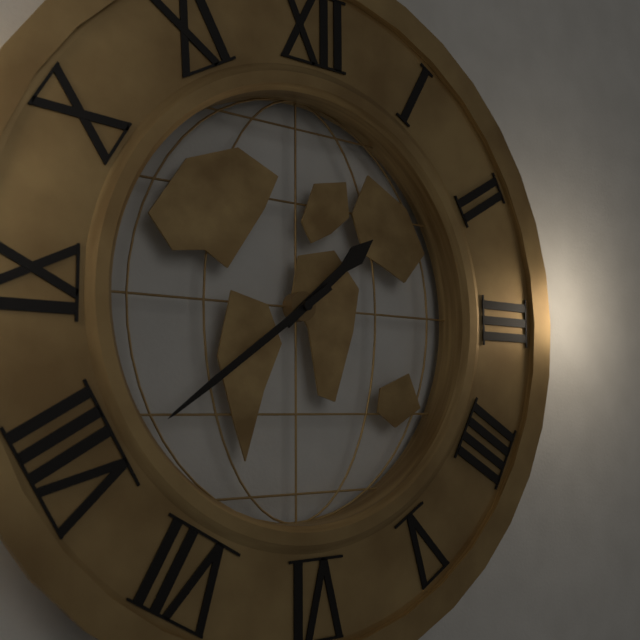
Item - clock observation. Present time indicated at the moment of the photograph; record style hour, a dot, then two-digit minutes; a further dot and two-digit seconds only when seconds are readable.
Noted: 1.39
